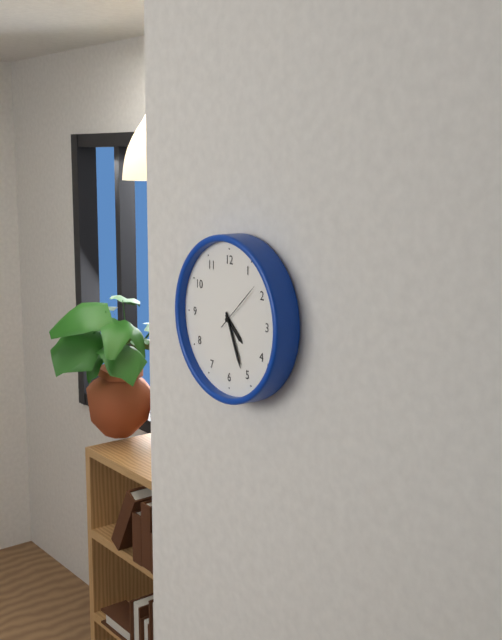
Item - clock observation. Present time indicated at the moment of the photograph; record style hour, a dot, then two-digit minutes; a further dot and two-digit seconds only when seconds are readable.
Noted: 4.26.08
